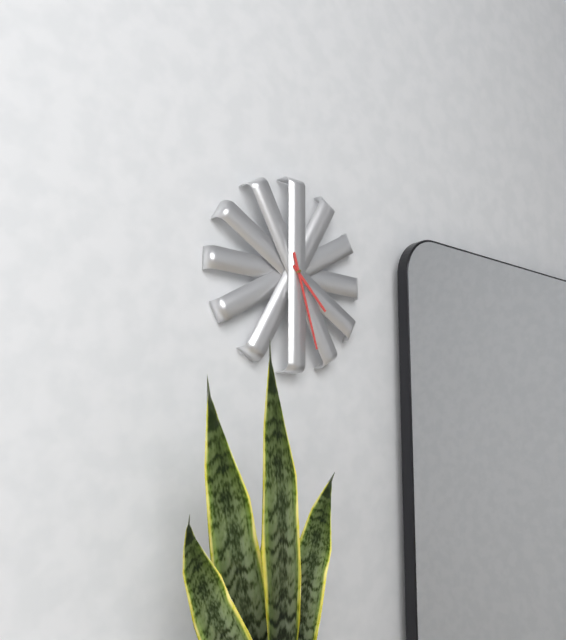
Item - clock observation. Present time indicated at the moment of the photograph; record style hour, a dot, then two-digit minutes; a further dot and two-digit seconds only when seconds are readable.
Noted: 4.27
